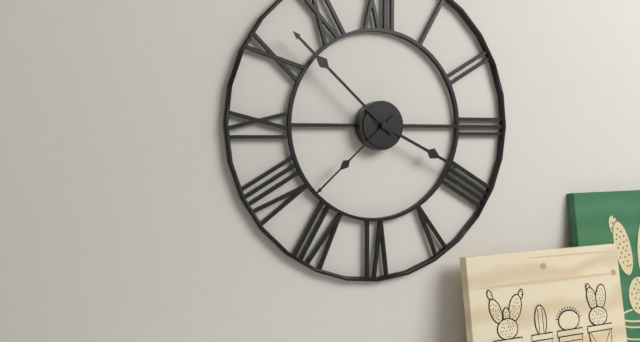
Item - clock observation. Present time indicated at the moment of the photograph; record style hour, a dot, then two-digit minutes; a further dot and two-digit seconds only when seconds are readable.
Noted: 3.52.38
